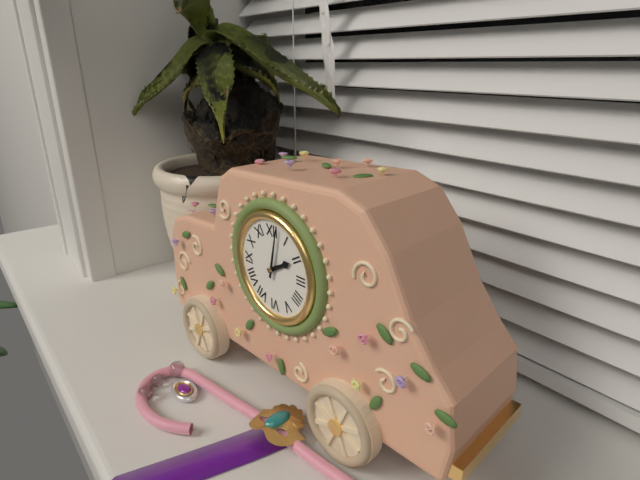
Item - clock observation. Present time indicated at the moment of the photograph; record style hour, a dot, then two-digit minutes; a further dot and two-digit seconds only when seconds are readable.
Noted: 2.02
